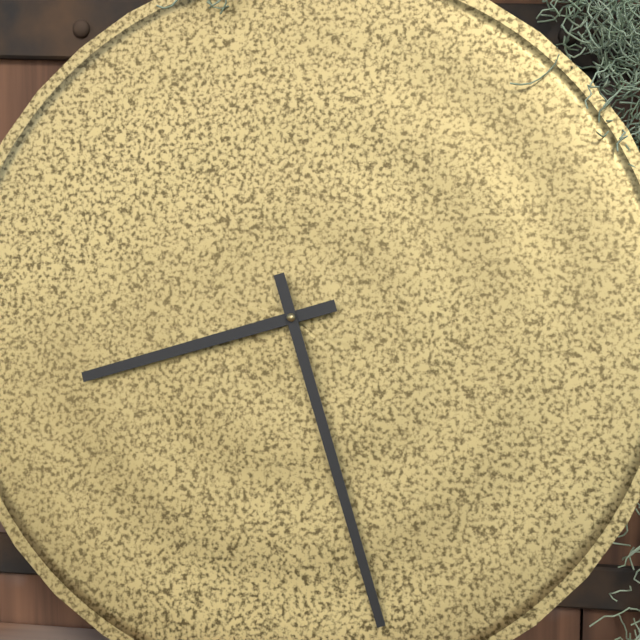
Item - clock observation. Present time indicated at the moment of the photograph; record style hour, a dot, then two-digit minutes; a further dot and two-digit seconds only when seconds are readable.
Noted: 8.27
